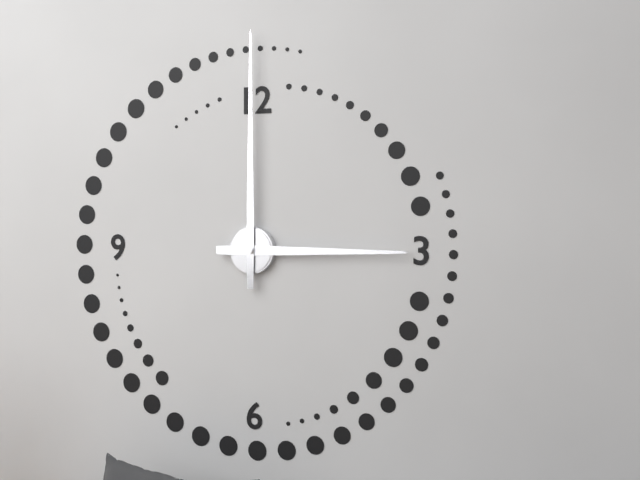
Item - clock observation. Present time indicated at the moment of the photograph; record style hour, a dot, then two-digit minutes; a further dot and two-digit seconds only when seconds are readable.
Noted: 3.00
